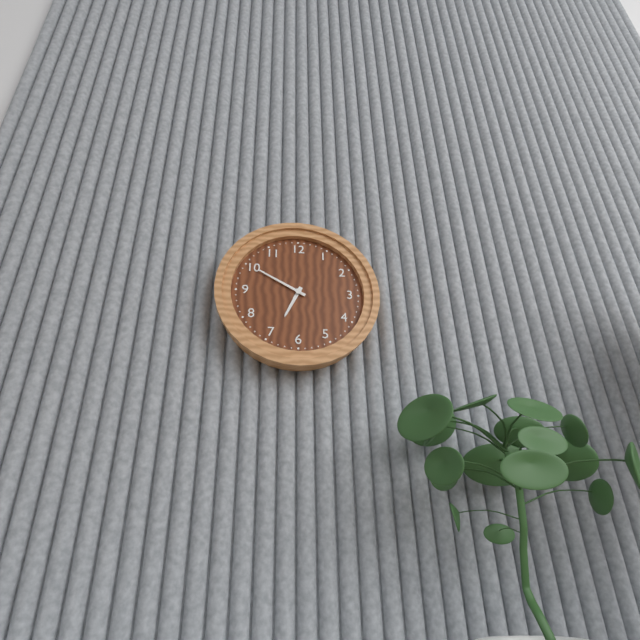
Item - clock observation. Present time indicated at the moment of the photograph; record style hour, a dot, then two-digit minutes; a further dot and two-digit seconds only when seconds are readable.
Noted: 6.50
